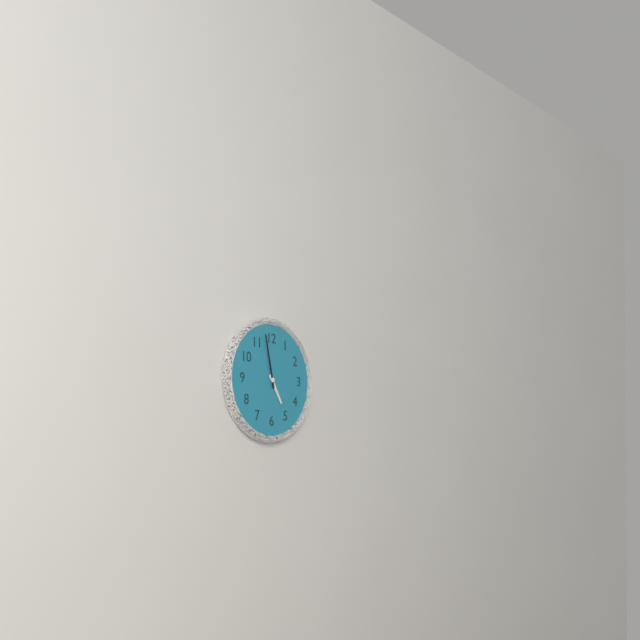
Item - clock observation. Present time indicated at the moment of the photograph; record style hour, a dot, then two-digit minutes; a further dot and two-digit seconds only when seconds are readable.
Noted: 4.58
